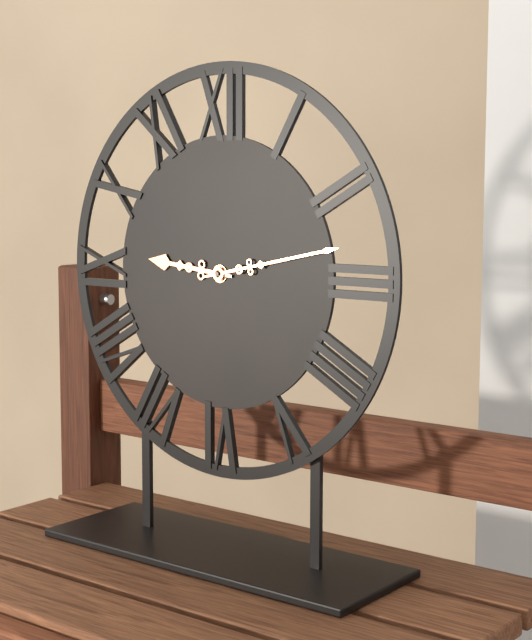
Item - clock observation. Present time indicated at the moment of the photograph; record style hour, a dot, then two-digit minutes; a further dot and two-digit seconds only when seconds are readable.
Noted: 9.13
